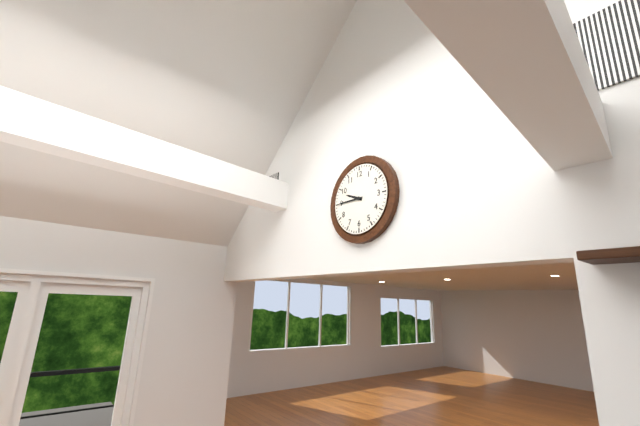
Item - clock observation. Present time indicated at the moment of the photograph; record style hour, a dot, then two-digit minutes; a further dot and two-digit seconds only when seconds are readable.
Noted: 9.45
